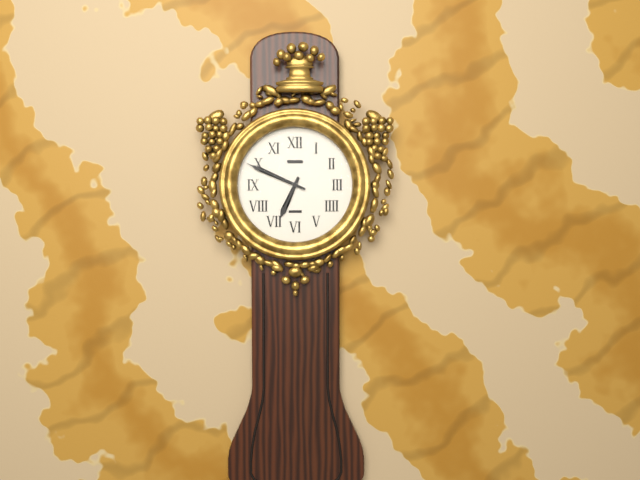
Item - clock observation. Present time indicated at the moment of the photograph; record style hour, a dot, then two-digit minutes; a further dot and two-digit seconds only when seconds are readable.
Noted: 6.49
